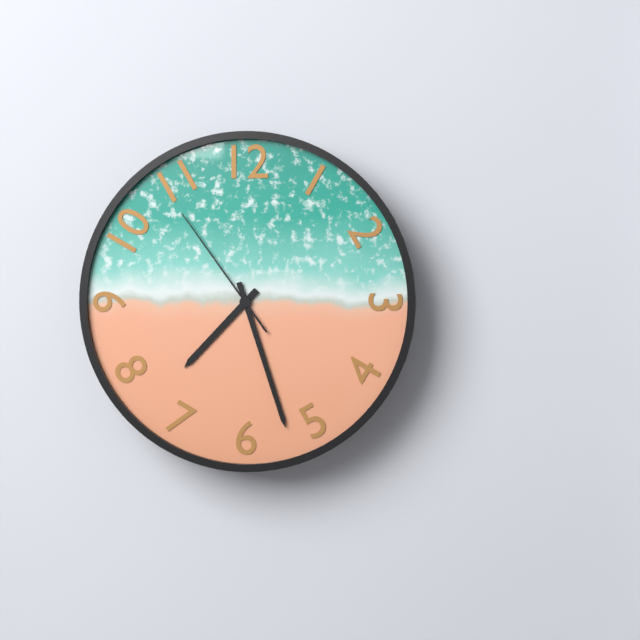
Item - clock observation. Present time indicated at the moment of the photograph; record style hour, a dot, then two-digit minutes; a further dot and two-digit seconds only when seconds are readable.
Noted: 7.27.54
